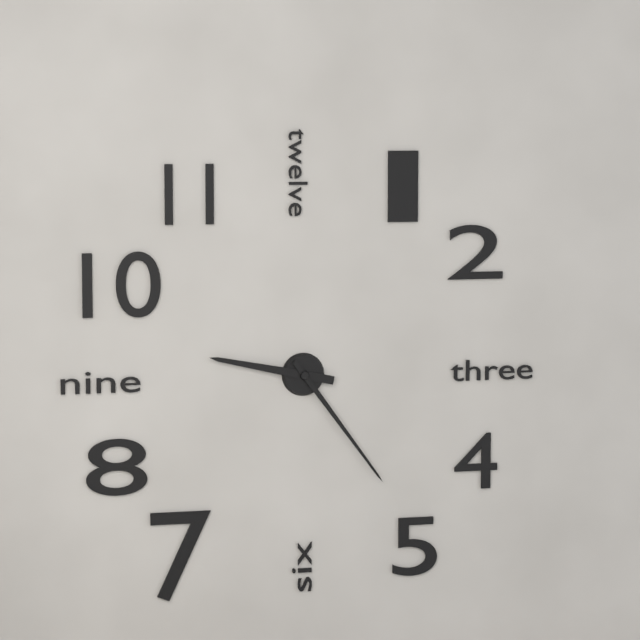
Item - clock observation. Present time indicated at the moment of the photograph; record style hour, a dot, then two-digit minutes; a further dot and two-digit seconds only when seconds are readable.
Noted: 9.24
